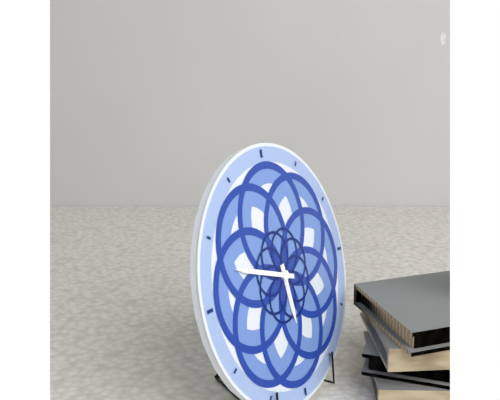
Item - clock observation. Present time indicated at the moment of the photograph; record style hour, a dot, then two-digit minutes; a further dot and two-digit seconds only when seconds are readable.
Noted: 5.48
